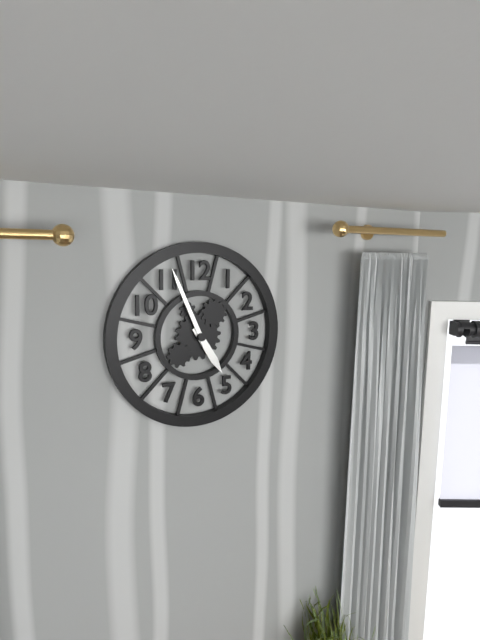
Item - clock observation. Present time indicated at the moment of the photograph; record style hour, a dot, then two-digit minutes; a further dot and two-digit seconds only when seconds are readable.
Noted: 4.56
